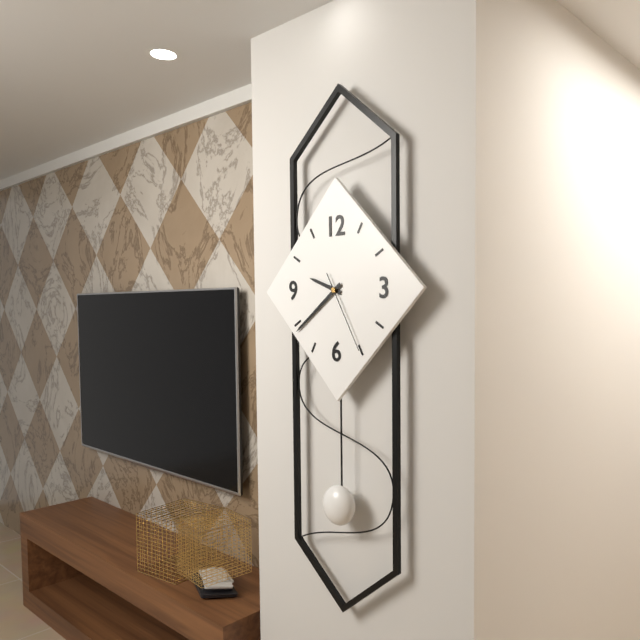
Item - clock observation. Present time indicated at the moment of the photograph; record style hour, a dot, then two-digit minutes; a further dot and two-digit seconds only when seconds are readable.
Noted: 9.39.25
